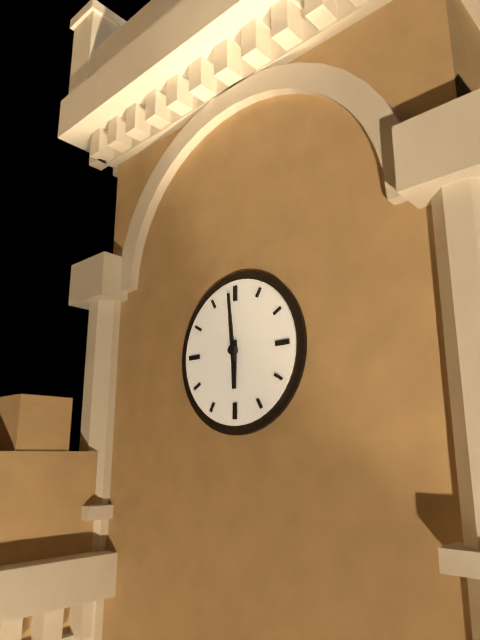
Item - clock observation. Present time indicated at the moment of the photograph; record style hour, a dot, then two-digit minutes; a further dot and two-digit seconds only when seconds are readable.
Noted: 5.59
